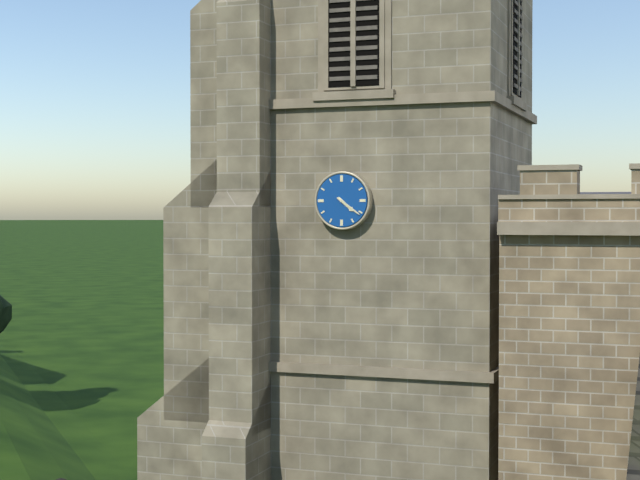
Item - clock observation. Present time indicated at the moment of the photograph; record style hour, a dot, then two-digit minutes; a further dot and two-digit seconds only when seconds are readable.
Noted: 4.21
